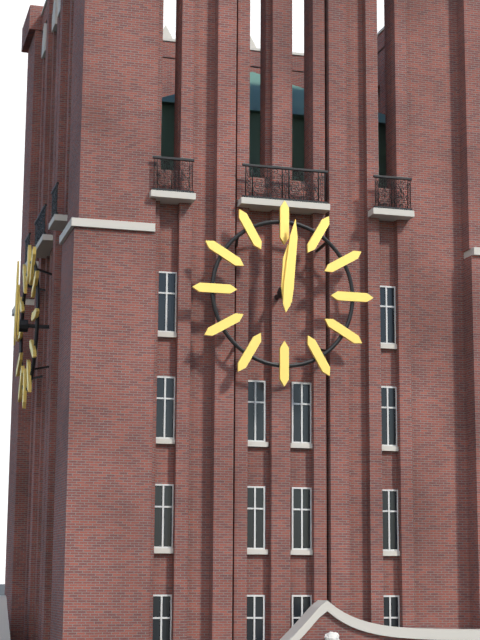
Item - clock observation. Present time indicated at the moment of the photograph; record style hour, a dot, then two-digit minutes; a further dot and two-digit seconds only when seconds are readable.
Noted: 12.01
